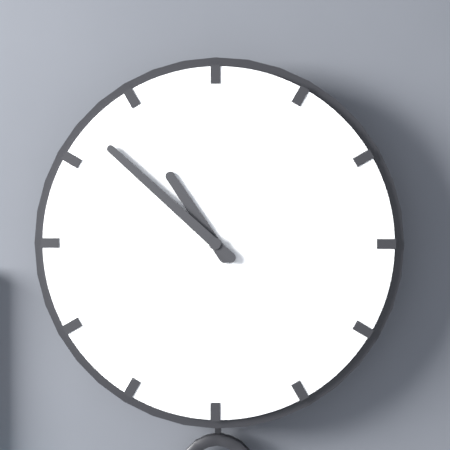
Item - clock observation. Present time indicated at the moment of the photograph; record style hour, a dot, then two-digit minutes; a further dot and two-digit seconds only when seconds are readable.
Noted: 10.52
